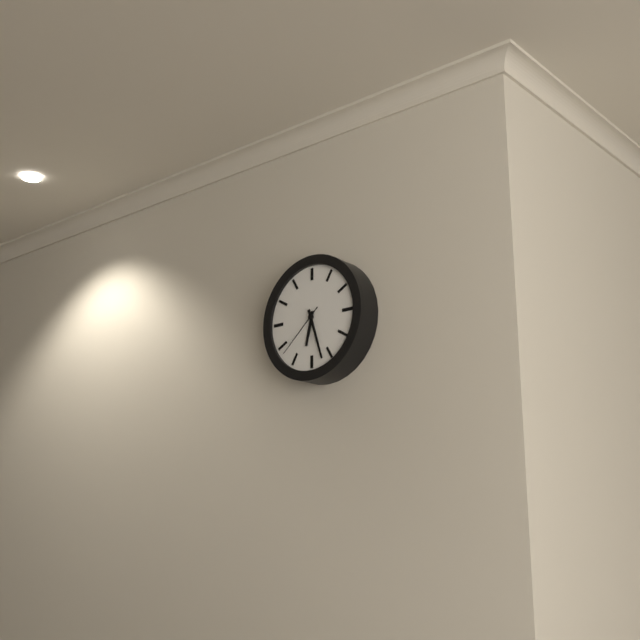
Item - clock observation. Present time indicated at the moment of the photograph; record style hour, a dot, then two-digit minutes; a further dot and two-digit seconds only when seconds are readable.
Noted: 6.27.38
